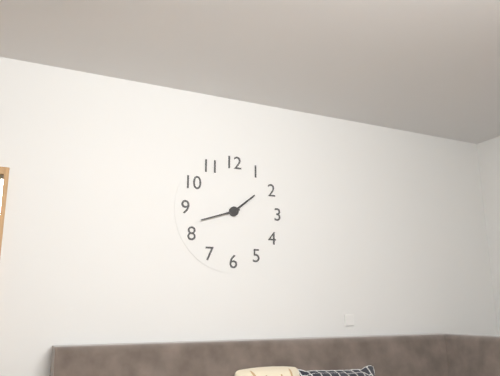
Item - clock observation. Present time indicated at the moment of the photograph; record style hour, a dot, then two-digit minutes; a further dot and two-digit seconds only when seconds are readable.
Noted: 1.42
